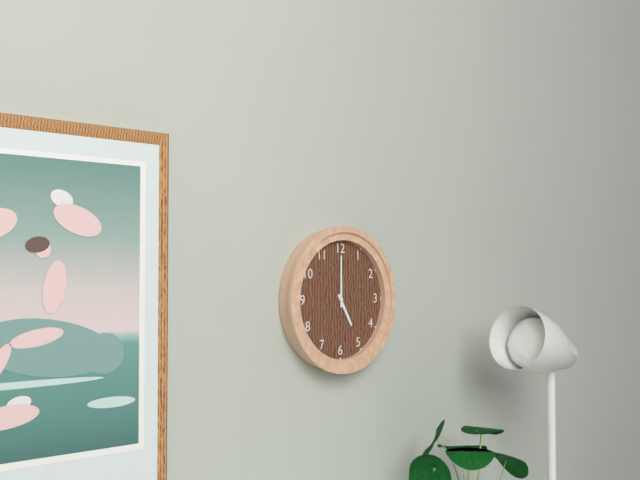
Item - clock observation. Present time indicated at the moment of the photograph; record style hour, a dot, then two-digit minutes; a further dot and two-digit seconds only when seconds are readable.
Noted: 5.00
